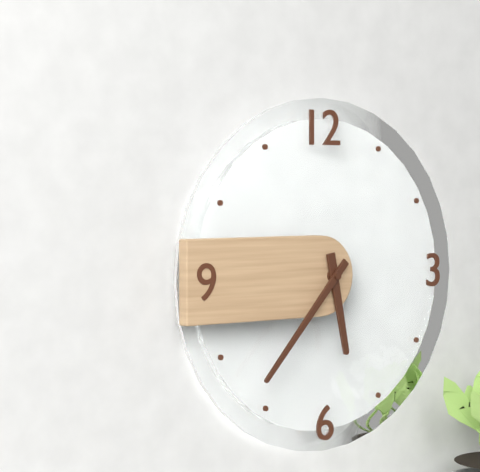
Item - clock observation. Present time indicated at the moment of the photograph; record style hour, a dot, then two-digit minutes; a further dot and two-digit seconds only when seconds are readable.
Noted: 5.37
